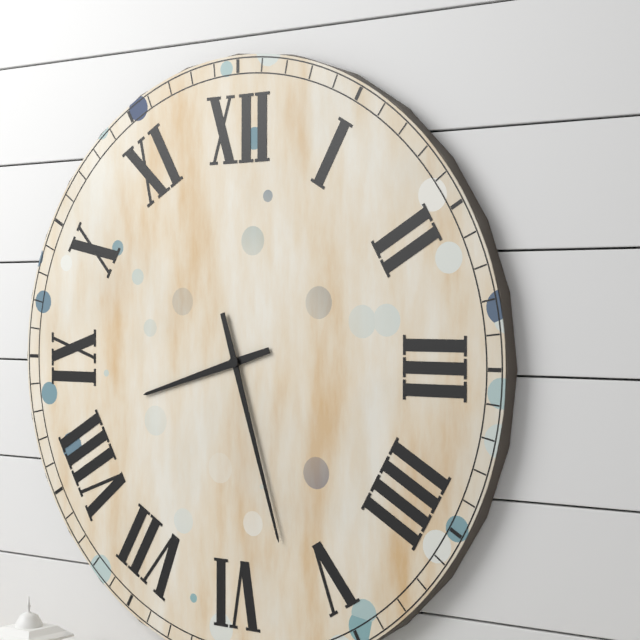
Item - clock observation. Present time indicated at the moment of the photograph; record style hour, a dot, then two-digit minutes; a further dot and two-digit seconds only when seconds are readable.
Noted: 8.27
